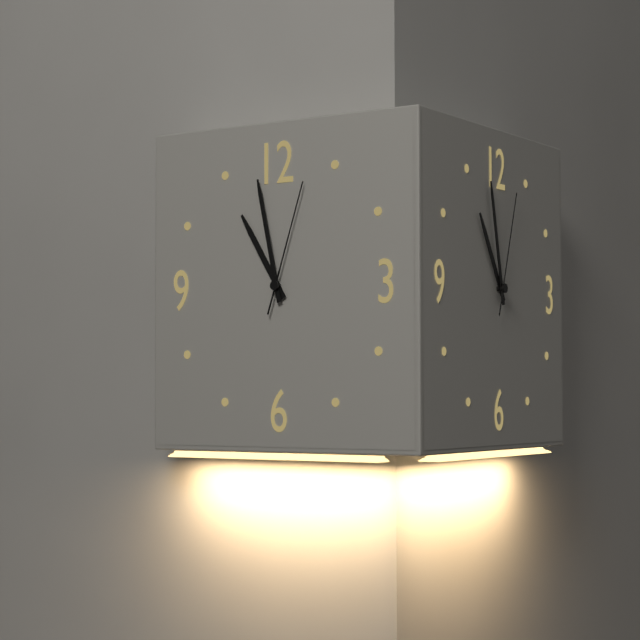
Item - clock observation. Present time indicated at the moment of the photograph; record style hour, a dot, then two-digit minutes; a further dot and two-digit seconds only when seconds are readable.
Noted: 10.58.03
